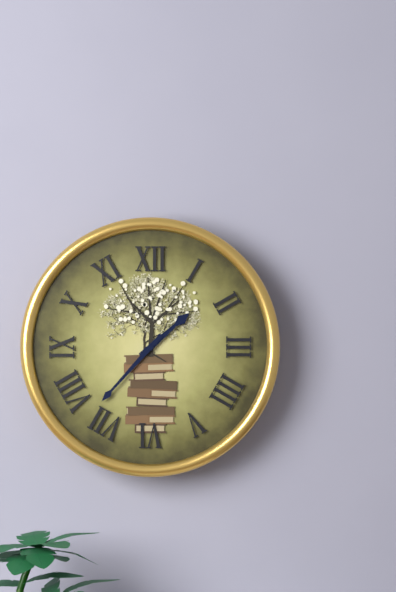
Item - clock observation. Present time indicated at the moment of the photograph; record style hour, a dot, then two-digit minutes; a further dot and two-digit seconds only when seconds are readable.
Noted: 1.37
